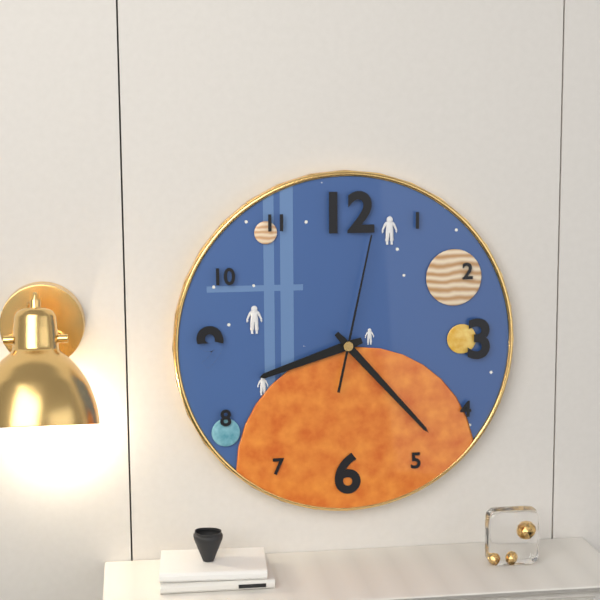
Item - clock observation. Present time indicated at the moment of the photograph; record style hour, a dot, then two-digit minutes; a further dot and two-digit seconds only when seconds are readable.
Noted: 8.23.02
